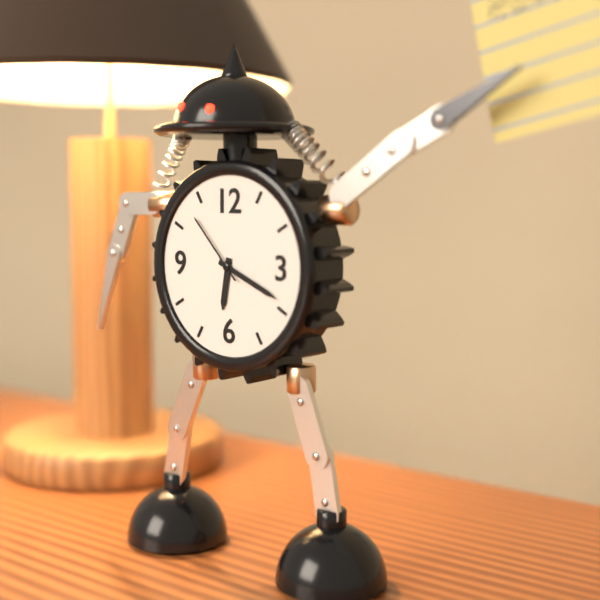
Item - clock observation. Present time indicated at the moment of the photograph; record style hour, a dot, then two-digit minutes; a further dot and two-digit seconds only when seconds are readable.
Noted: 6.19.53
